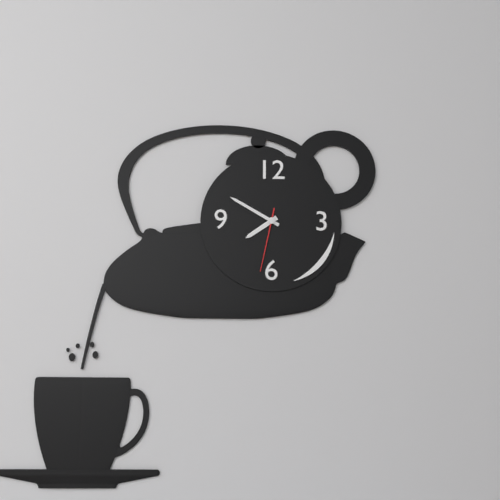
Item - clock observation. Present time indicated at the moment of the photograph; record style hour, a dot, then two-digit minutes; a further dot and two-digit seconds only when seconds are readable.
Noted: 7.50.32
